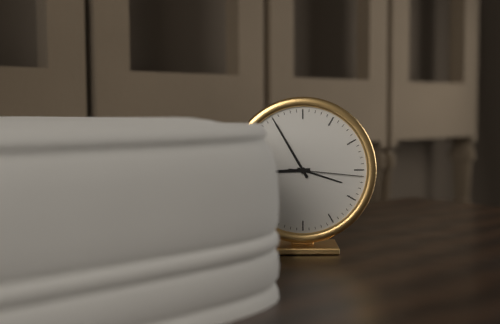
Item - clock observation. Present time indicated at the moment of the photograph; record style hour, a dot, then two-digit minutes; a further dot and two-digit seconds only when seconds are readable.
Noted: 8.55.16
